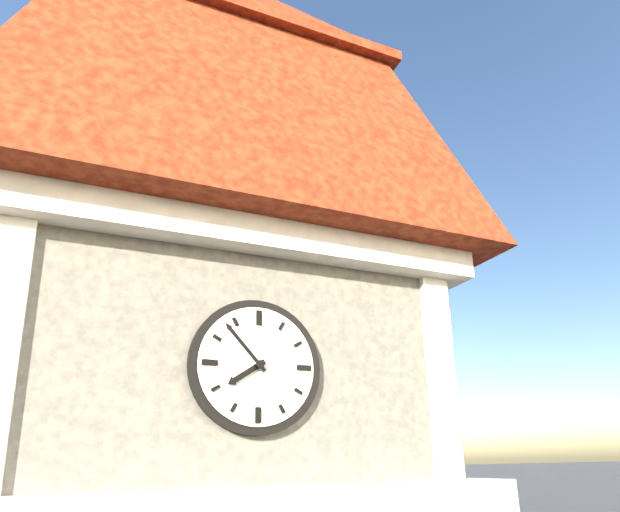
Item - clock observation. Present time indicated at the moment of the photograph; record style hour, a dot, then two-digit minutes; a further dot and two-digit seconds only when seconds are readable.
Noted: 7.53
